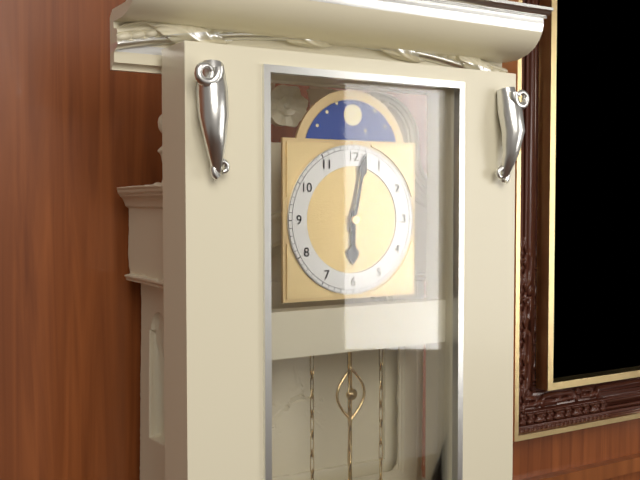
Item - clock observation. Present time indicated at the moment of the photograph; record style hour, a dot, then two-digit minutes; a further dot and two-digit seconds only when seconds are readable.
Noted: 6.02
